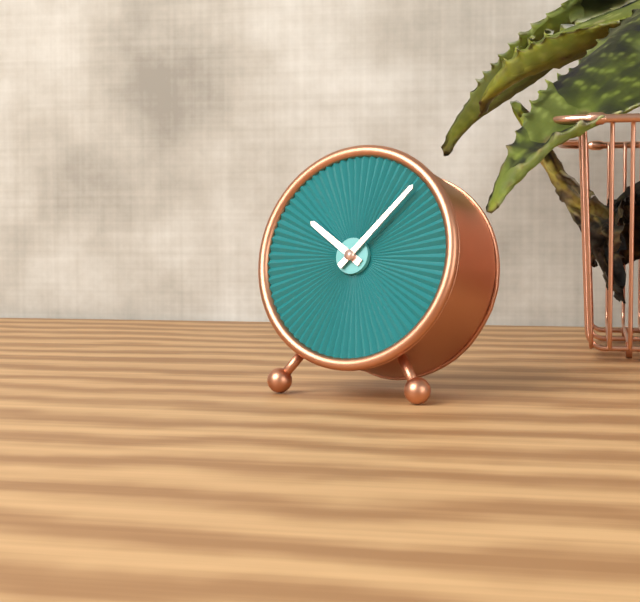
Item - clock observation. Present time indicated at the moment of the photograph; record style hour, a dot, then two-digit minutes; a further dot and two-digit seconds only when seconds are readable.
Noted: 10.07
